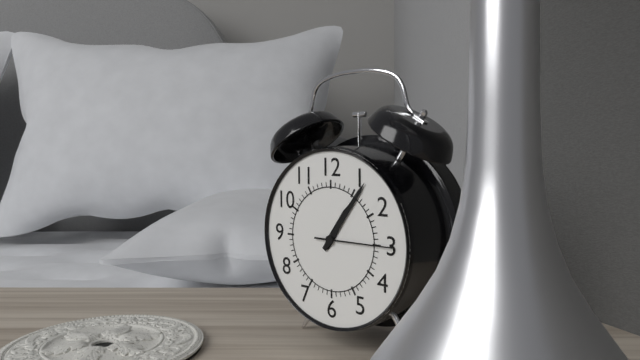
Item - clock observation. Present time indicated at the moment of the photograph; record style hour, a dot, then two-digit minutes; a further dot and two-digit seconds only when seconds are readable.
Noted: 1.06.15
